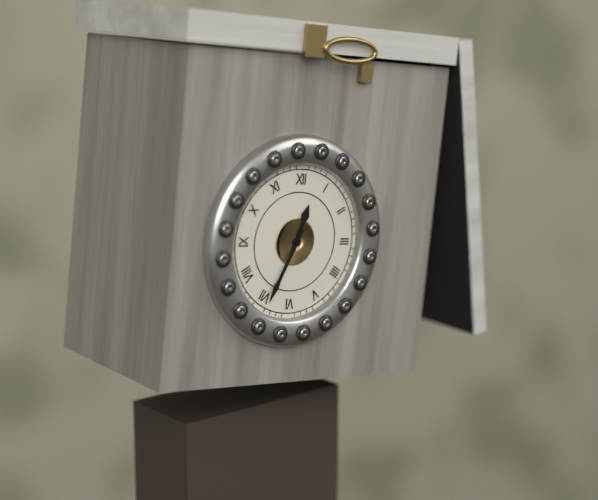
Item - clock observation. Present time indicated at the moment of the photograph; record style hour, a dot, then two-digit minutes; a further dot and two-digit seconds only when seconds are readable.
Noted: 12.34
